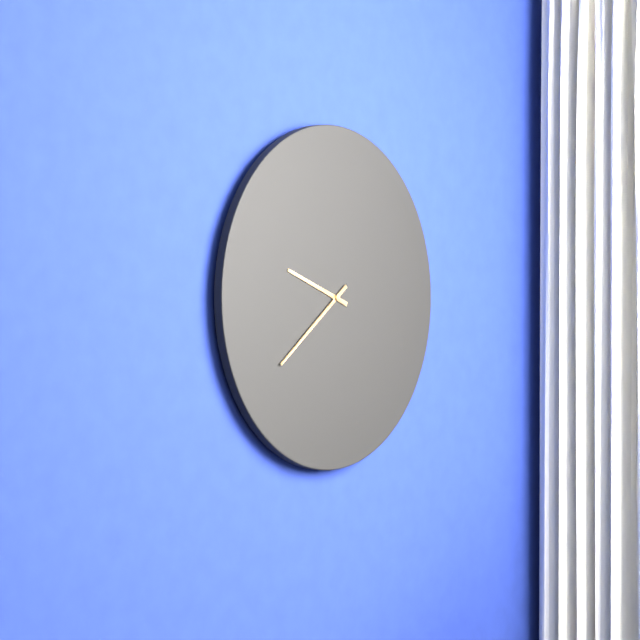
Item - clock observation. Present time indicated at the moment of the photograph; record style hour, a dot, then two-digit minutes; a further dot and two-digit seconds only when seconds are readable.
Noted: 9.39
